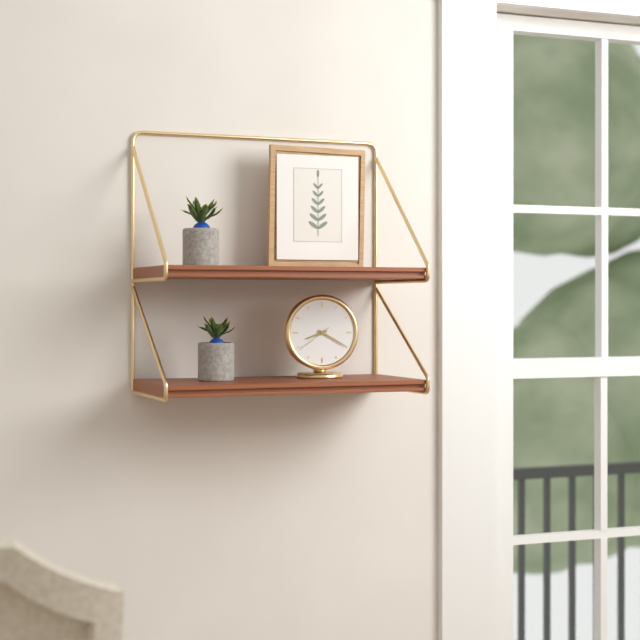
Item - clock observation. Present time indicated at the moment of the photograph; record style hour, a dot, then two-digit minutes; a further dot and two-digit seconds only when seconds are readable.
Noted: 8.20
